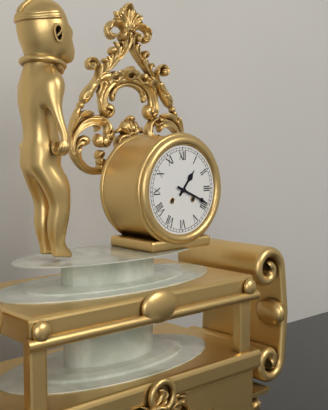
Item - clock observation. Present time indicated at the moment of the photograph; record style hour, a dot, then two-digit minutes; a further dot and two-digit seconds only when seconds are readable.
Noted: 1.19
